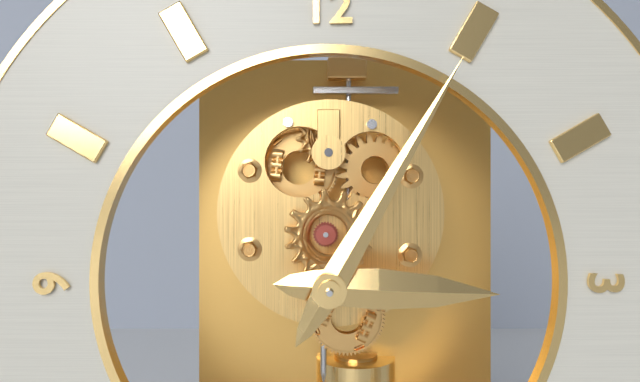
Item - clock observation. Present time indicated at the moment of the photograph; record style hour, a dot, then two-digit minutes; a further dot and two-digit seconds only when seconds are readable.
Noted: 3.05
